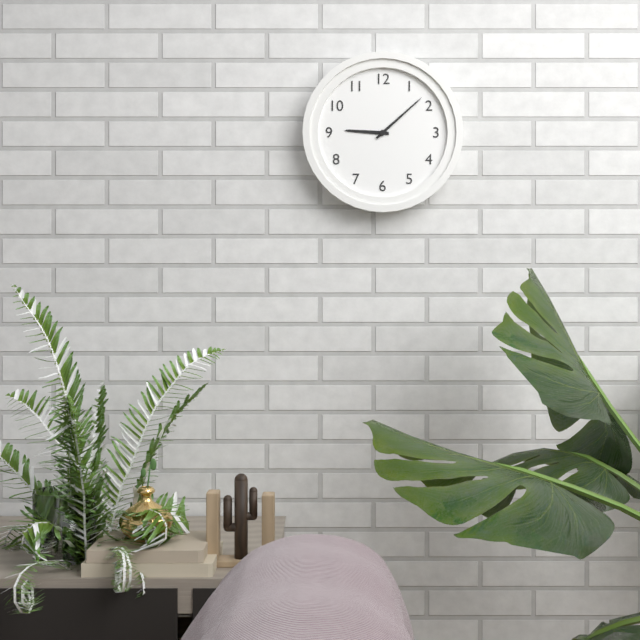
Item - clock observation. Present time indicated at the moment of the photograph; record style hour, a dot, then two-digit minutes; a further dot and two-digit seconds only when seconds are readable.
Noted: 9.08
